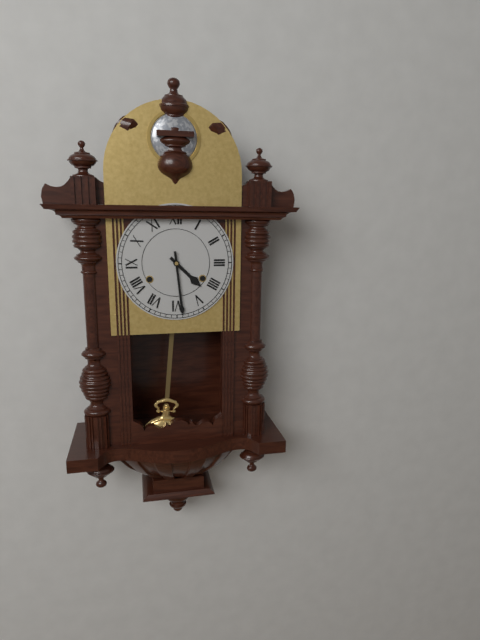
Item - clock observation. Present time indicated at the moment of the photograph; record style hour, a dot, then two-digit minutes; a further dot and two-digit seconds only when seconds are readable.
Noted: 4.29
